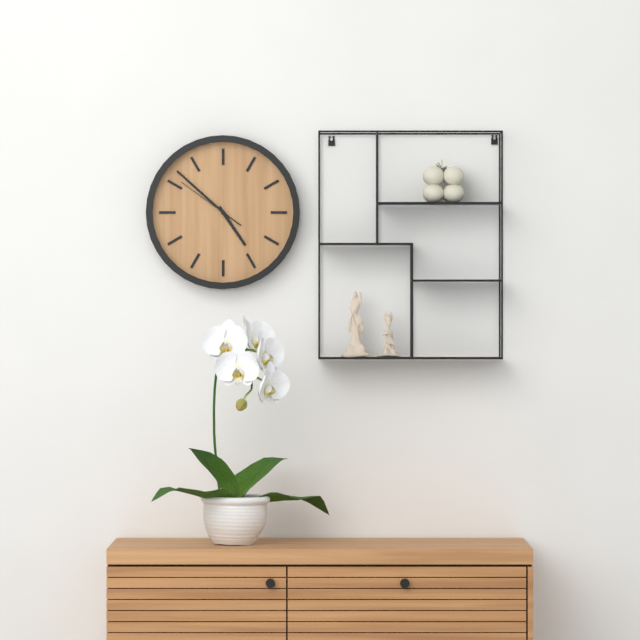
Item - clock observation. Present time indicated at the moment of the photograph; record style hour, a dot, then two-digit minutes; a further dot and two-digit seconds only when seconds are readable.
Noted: 4.52.51
